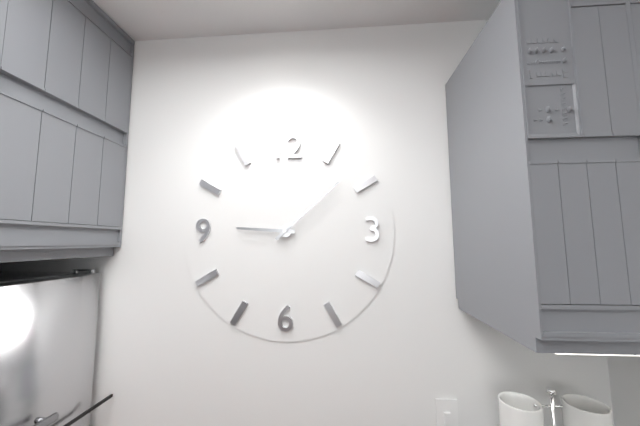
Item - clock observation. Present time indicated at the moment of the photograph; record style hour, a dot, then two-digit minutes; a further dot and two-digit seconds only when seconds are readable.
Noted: 9.08
